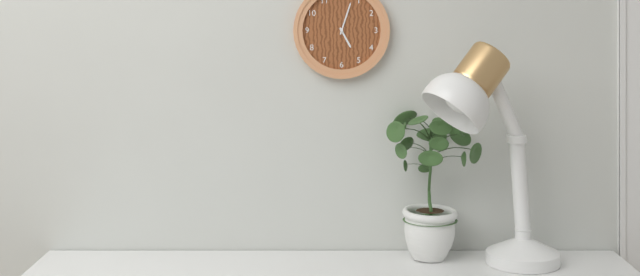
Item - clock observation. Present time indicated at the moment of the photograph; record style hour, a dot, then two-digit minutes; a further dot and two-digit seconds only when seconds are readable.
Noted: 5.03
